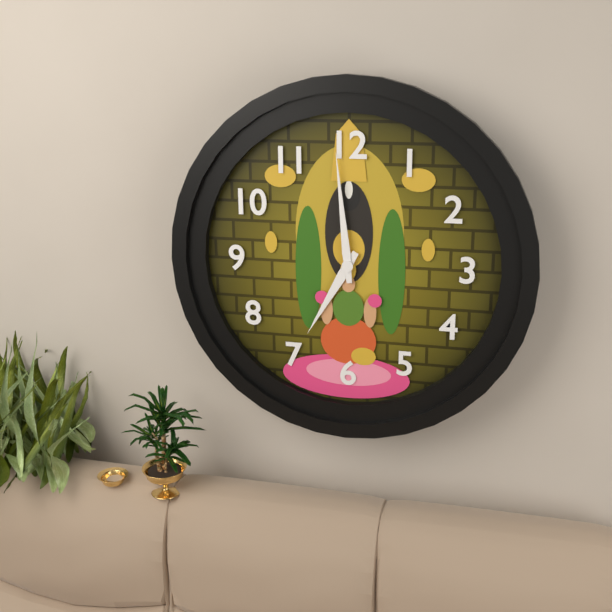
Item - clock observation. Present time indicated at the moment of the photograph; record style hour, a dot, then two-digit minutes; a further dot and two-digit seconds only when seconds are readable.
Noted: 6.59
